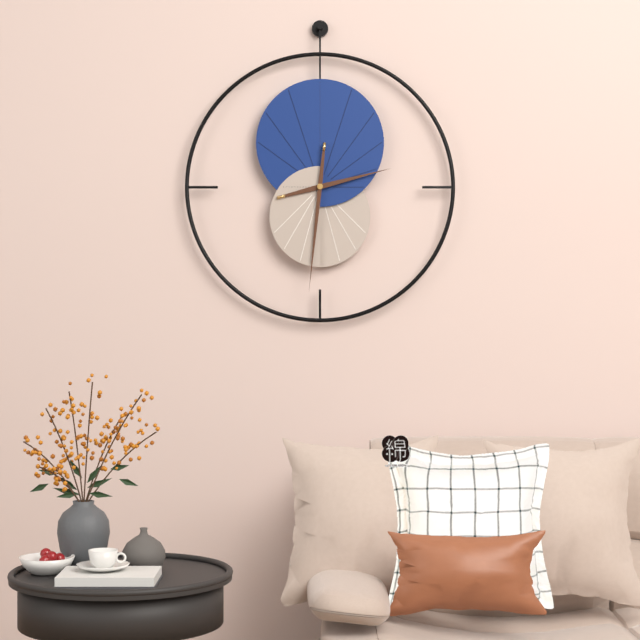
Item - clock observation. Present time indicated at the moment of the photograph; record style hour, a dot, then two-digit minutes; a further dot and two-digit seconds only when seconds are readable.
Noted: 2.31
